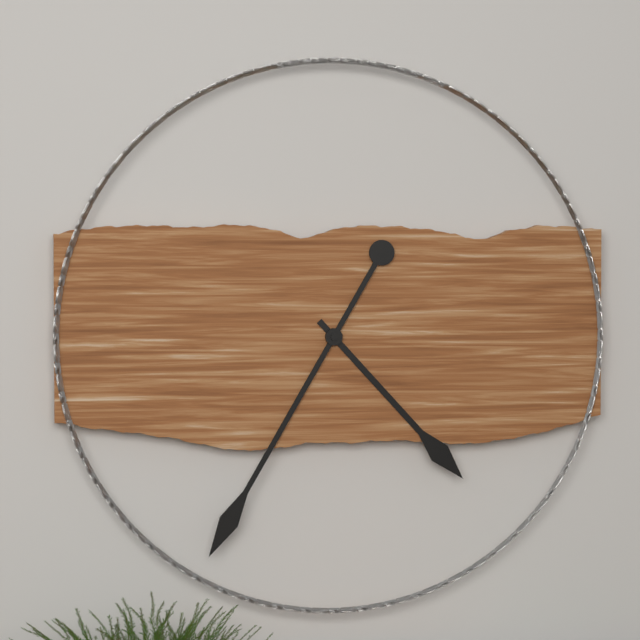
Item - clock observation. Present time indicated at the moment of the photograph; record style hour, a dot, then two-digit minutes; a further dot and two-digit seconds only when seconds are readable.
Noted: 4.35
